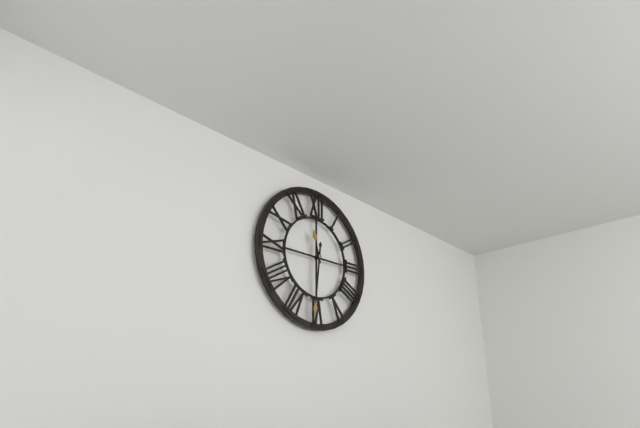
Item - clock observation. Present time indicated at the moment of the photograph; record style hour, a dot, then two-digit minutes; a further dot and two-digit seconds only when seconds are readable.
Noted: 11.31
